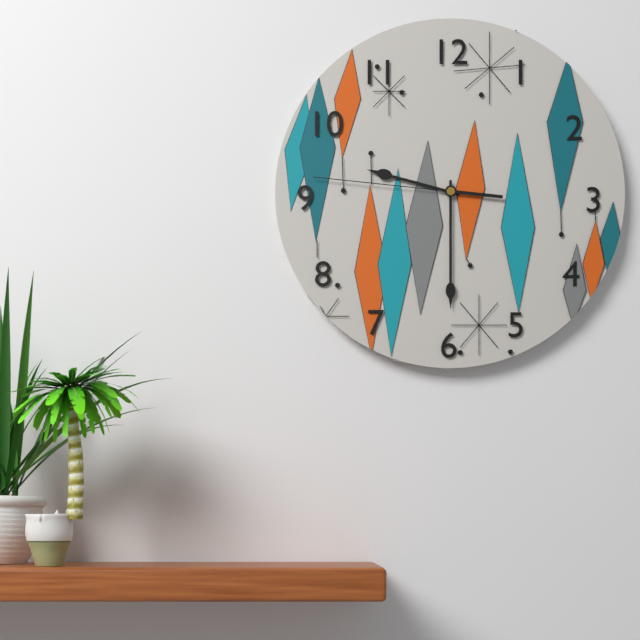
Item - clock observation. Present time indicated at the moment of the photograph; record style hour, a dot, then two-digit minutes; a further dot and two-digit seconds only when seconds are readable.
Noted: 9.30.46
